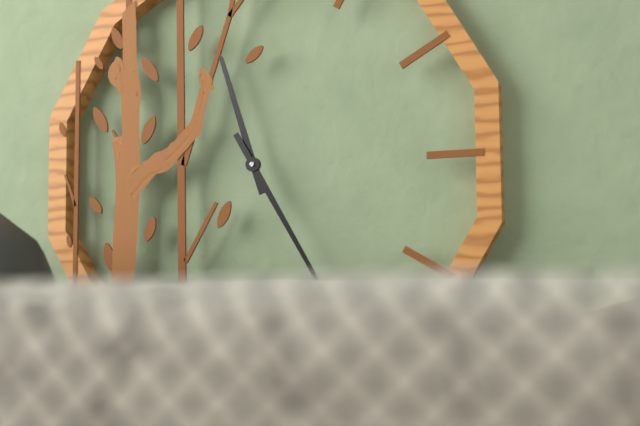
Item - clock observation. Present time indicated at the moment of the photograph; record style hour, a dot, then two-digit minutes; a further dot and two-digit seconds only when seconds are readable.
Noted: 11.25
